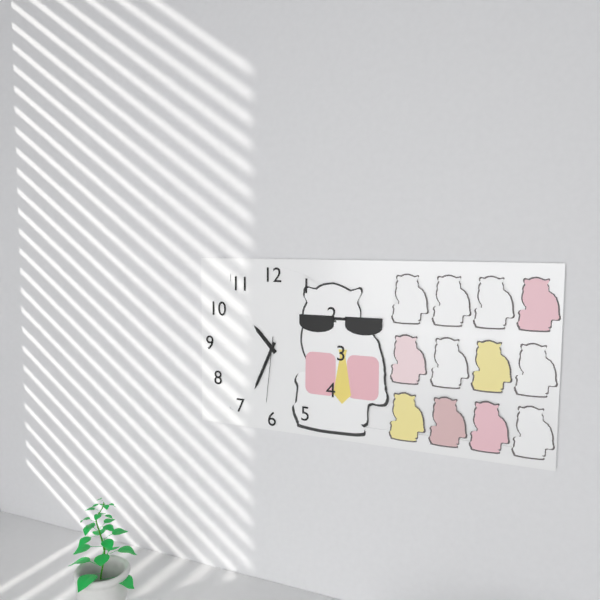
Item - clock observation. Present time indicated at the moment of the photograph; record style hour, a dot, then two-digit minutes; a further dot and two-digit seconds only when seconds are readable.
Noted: 10.34.31
